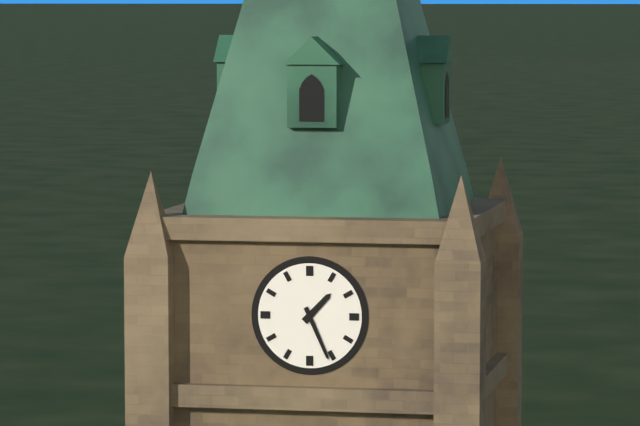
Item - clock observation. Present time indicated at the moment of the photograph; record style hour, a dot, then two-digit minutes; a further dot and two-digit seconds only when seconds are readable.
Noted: 1.26
